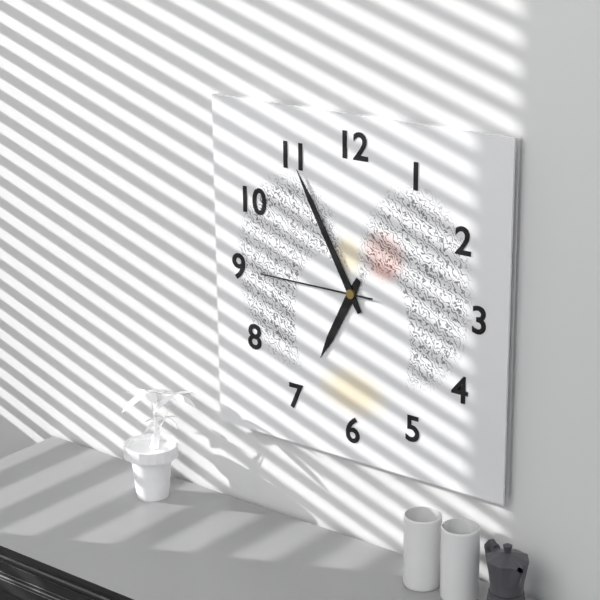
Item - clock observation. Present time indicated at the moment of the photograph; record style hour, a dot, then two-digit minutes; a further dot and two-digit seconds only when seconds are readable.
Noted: 6.55.45
